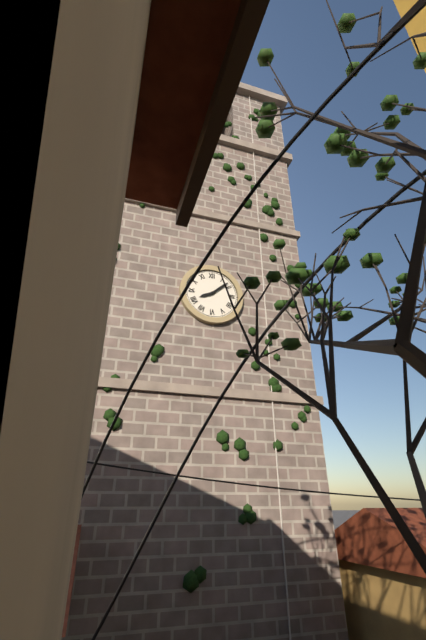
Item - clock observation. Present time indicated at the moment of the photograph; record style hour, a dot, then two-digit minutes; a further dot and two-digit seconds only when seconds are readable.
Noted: 8.08
